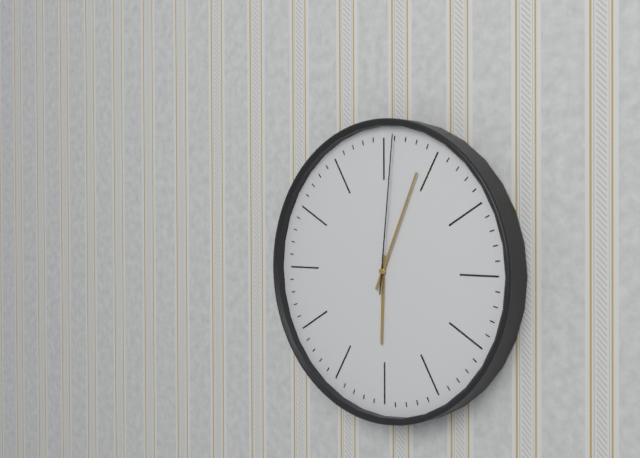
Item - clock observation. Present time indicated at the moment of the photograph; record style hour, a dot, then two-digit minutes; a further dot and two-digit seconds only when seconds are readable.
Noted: 6.04.01
